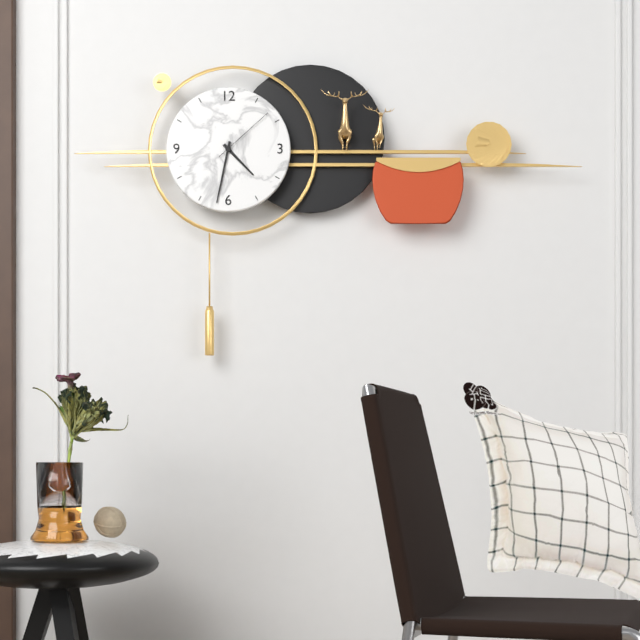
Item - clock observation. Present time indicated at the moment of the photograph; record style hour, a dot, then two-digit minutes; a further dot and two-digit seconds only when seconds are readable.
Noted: 4.32.08
